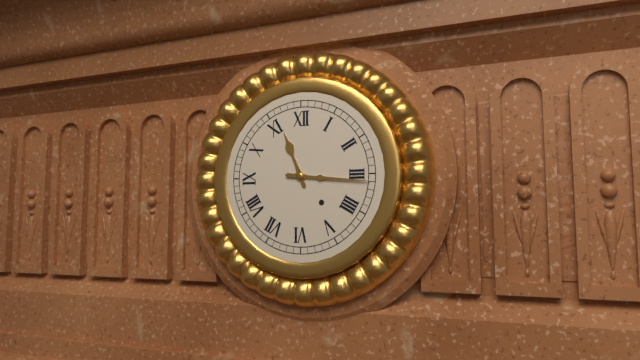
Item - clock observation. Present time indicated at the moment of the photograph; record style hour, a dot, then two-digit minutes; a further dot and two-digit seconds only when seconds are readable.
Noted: 11.16
